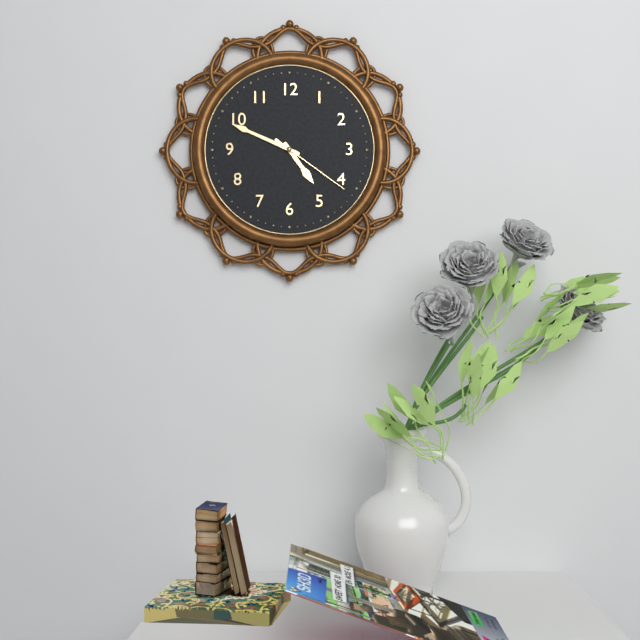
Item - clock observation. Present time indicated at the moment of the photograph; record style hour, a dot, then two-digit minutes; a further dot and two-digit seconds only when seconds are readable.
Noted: 4.49.21
